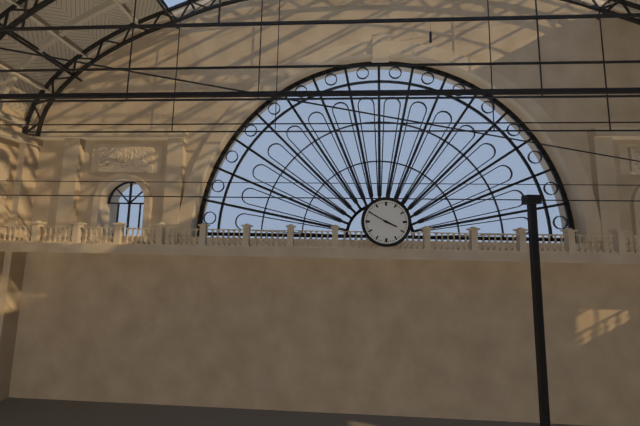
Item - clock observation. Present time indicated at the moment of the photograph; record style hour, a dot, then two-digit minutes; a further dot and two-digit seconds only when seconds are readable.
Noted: 3.50
